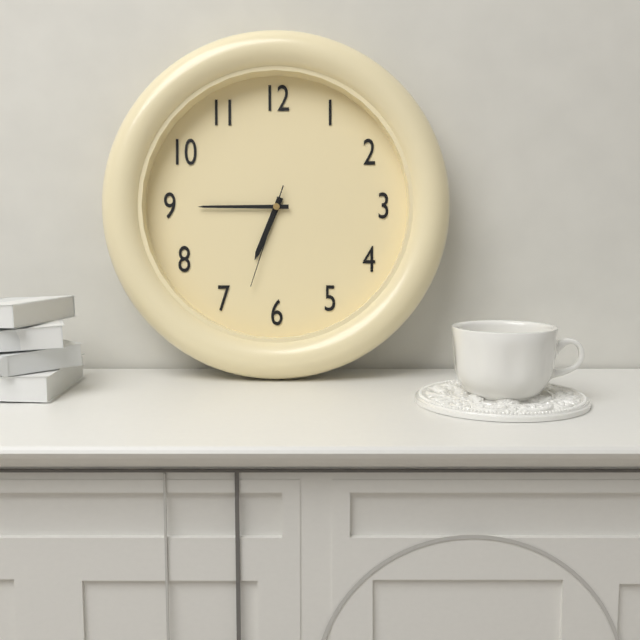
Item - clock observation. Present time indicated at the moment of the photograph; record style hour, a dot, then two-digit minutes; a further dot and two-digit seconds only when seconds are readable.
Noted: 6.45.33
